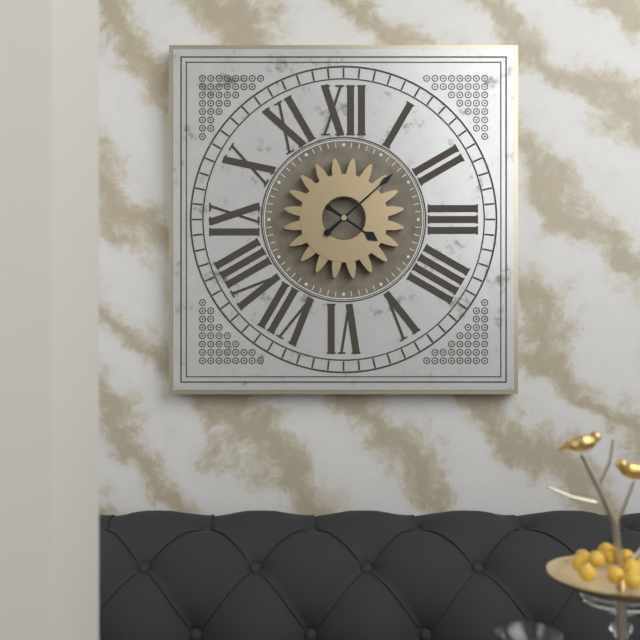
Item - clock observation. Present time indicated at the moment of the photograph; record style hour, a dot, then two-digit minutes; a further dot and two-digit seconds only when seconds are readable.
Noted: 4.08
